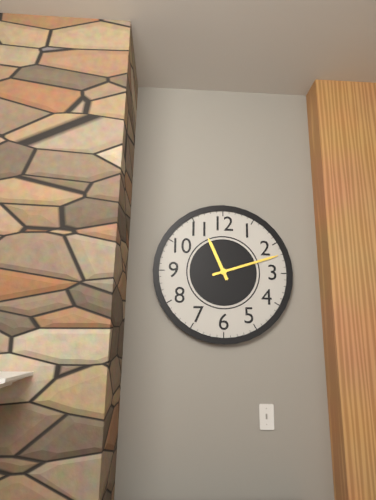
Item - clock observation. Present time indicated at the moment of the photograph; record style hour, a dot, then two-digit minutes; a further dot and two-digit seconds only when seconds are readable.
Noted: 11.12
